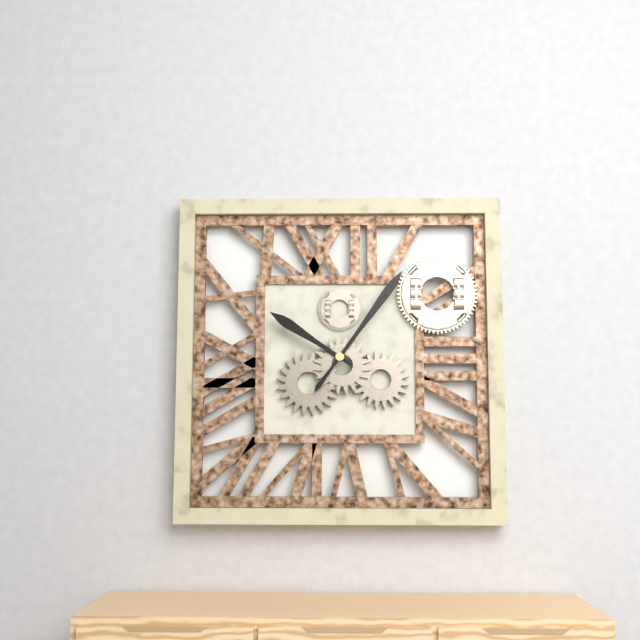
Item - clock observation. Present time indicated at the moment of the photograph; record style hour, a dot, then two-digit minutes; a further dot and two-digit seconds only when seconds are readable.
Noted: 10.06
